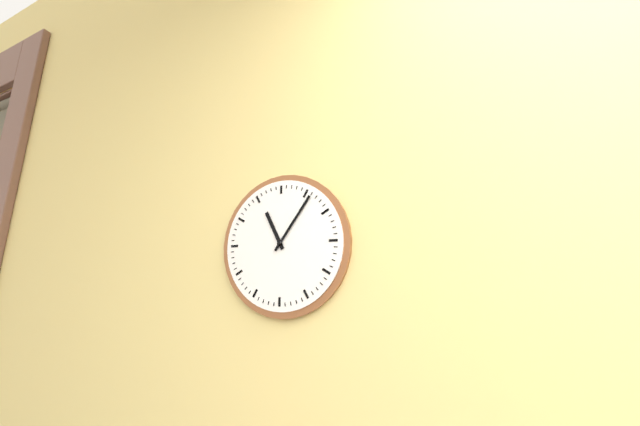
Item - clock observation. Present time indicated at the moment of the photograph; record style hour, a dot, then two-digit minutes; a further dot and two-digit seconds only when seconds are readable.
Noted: 11.06
